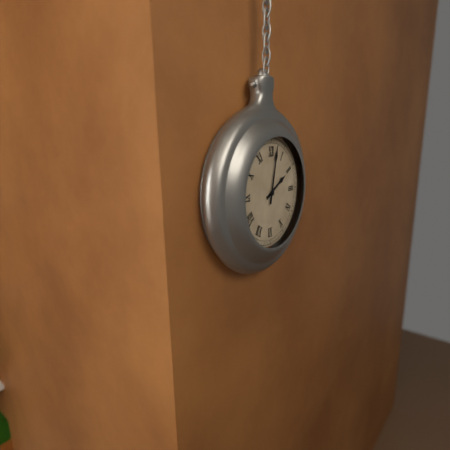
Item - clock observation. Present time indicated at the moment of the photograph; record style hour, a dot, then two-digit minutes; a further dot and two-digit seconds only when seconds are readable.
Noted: 2.02
